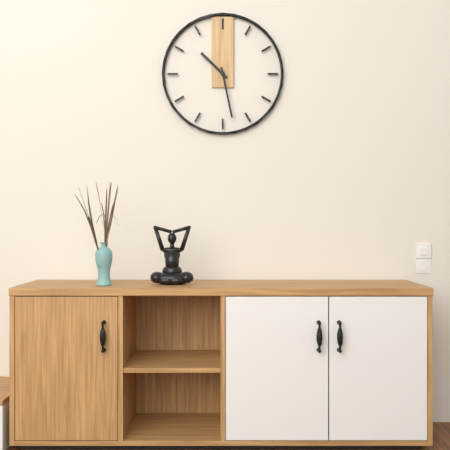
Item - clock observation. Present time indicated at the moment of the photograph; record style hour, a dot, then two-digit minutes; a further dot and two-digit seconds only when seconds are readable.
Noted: 10.28
